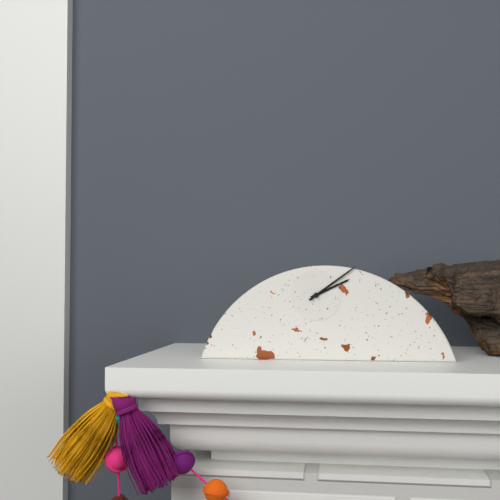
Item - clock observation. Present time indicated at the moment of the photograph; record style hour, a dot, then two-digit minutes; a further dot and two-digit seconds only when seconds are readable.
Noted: 2.09
